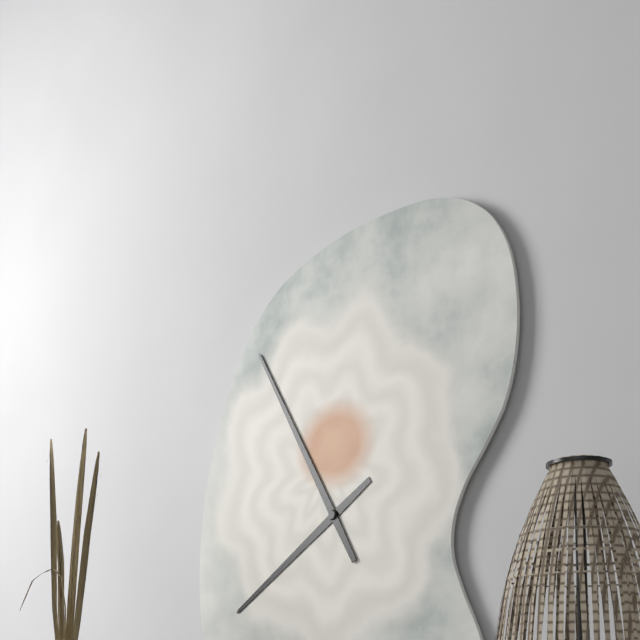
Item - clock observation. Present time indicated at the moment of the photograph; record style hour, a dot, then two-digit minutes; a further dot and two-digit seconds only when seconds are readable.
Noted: 7.55
